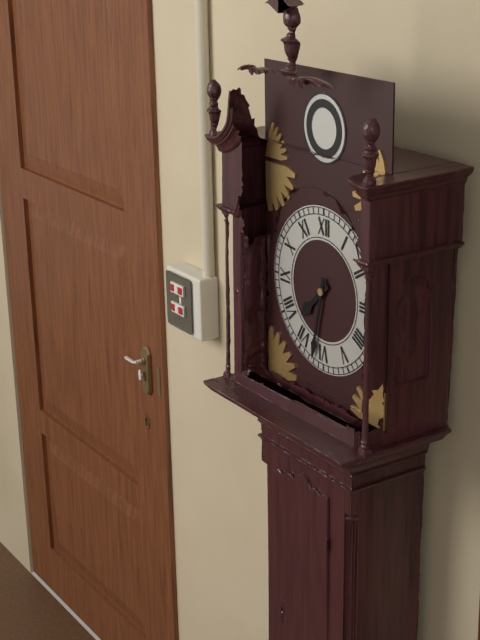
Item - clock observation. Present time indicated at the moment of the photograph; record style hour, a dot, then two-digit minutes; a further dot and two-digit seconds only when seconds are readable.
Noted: 7.32
